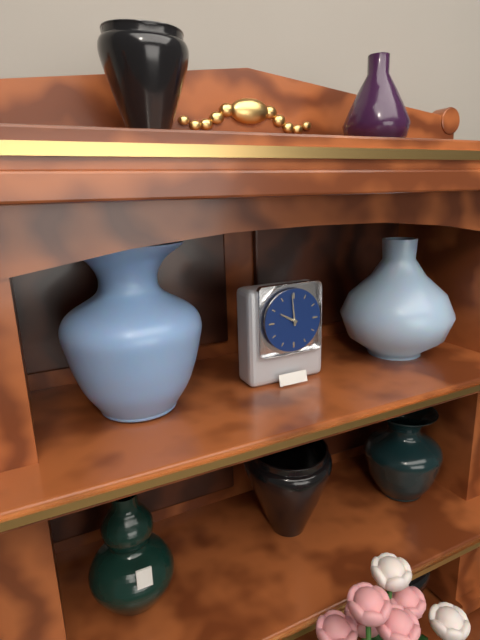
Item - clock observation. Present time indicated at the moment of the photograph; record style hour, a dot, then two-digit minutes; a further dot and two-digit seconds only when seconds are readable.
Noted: 9.59
